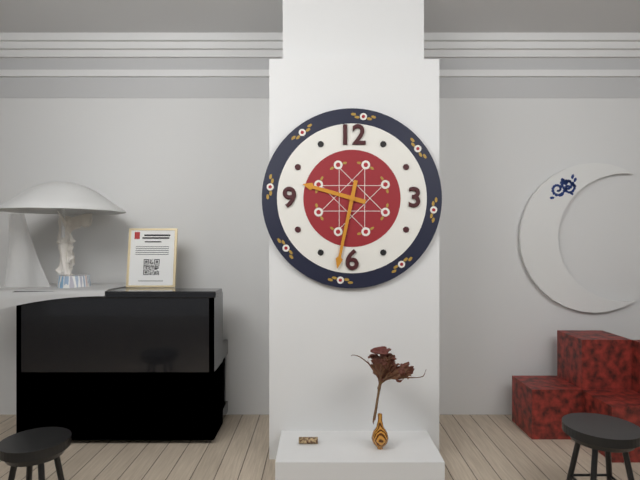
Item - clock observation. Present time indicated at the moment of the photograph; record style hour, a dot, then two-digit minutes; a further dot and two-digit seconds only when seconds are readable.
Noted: 9.32
